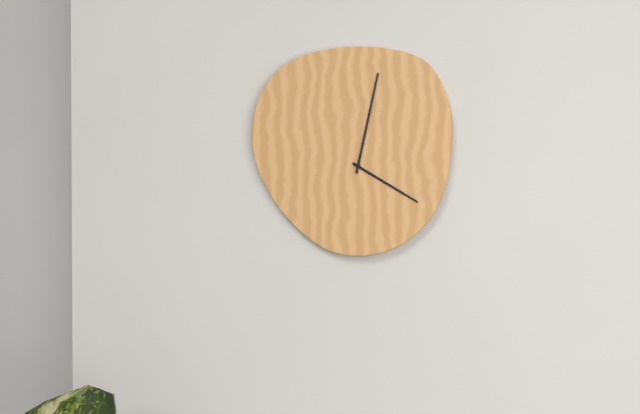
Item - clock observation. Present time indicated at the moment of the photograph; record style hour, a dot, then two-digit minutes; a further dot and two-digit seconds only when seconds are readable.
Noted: 4.02
